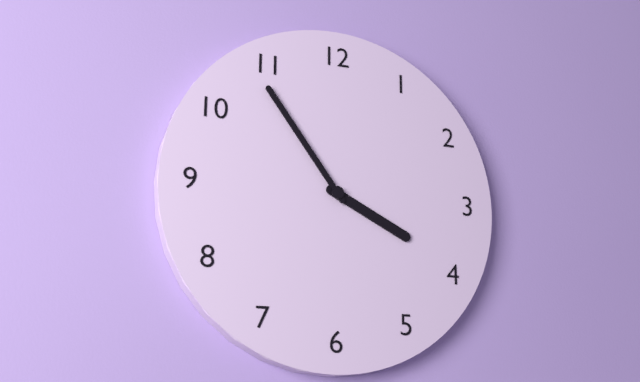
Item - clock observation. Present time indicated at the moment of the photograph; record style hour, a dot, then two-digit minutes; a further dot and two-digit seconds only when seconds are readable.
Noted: 3.54
